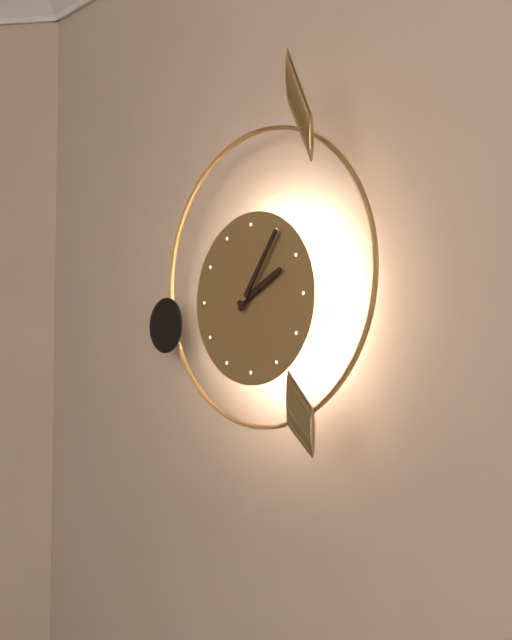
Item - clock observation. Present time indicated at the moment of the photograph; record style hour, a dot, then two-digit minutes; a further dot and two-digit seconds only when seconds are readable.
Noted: 2.06
